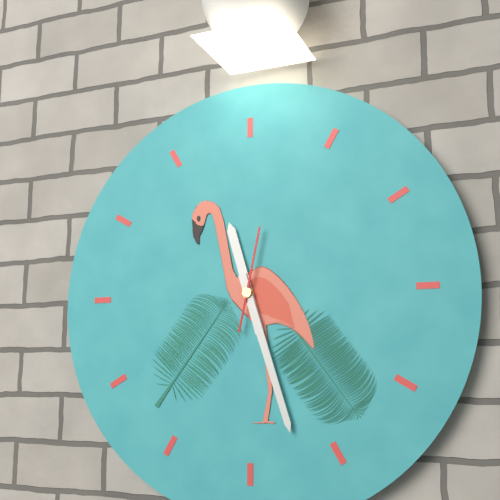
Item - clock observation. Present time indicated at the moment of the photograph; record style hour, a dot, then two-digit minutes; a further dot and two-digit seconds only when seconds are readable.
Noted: 11.27.02
